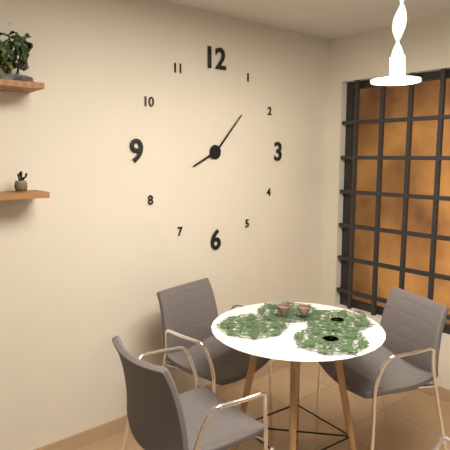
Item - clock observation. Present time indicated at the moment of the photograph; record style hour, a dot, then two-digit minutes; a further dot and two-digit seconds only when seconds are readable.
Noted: 8.07
